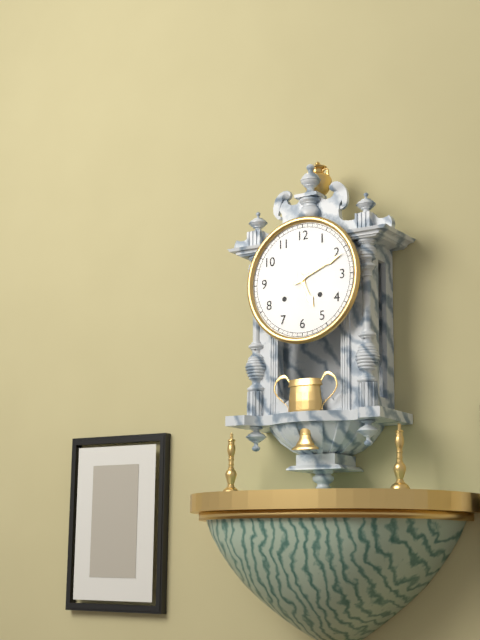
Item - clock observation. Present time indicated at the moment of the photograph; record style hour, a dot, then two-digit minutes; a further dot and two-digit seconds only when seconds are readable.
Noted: 5.11
